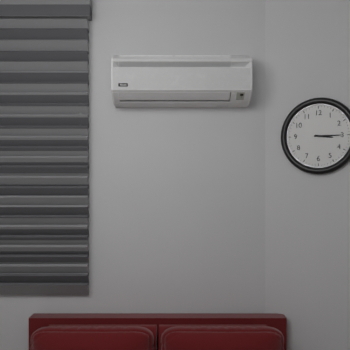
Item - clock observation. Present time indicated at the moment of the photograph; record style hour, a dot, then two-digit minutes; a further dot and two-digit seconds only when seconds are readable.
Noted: 3.15
